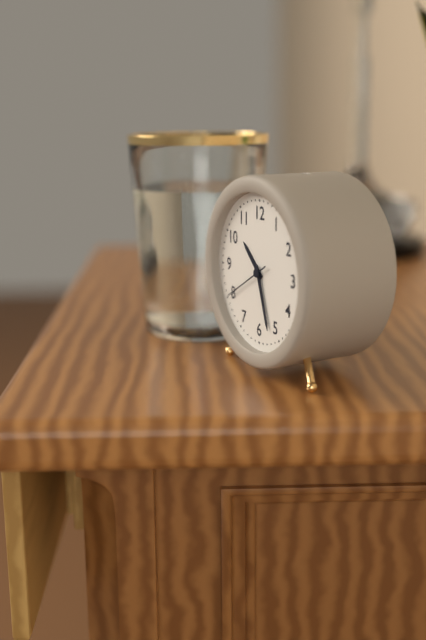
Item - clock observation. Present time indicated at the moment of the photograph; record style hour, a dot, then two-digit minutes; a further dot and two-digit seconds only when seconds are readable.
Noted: 10.27
